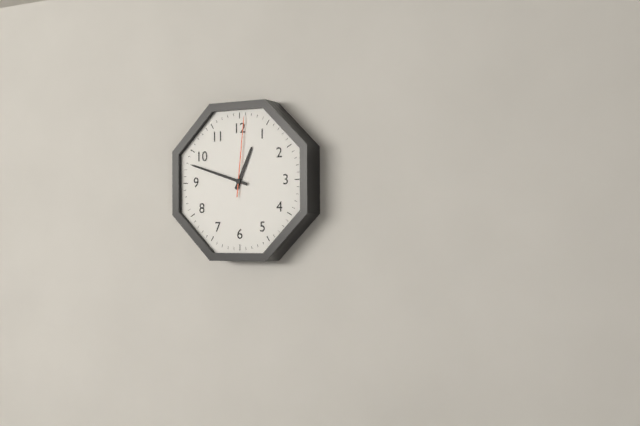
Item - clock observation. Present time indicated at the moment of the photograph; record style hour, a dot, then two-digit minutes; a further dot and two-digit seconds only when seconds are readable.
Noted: 12.48.01
